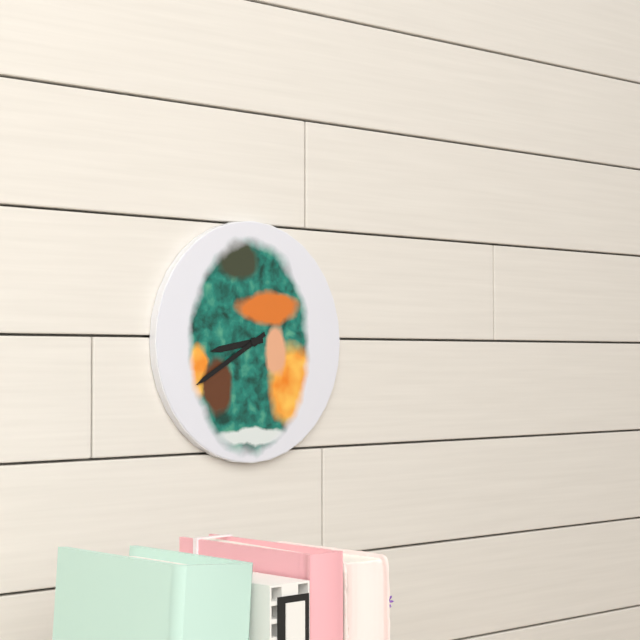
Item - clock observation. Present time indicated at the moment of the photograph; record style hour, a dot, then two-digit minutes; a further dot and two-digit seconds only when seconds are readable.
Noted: 8.40
